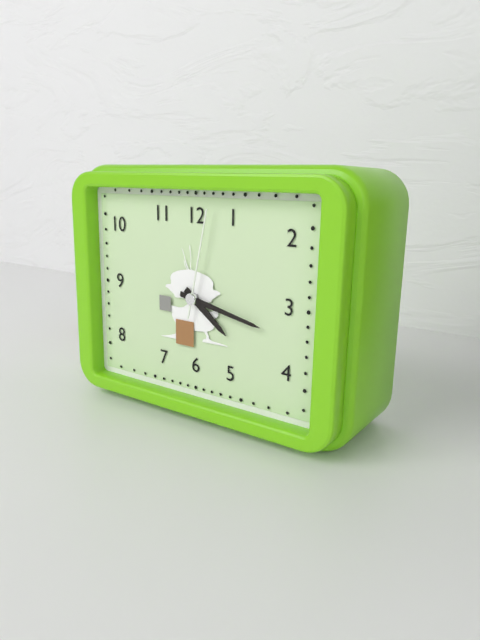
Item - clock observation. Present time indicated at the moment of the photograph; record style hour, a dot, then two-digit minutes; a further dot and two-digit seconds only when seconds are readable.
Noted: 4.17.02
